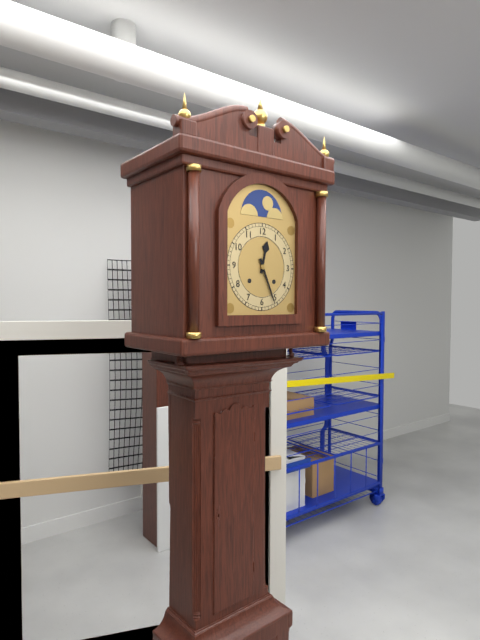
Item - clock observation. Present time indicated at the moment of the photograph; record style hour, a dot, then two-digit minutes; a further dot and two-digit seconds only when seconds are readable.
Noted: 12.26
